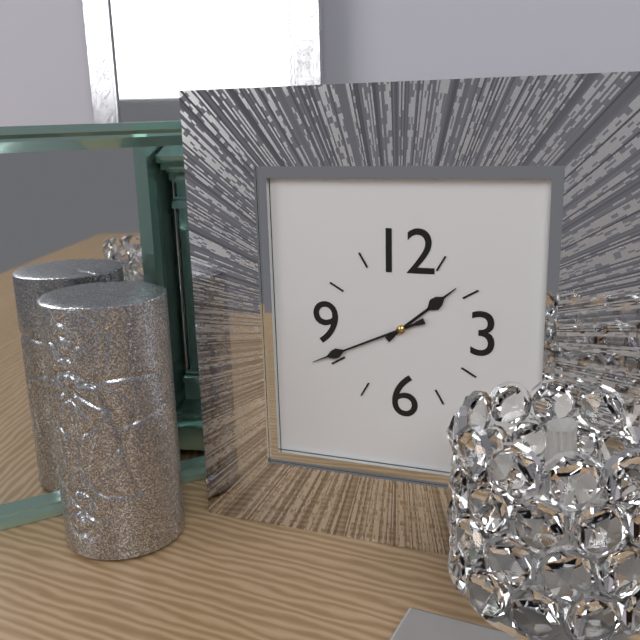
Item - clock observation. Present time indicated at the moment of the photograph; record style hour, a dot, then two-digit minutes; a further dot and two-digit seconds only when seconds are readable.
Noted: 1.41
